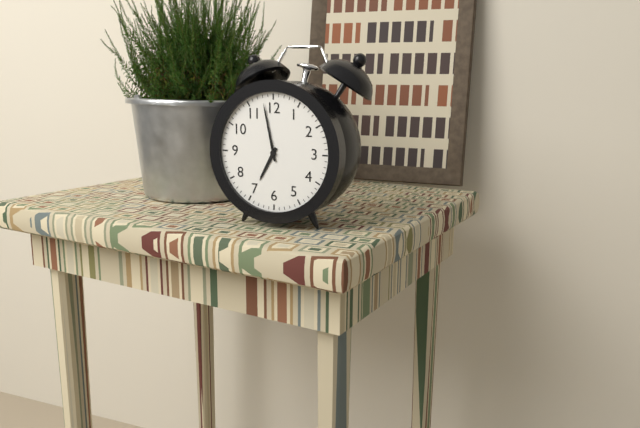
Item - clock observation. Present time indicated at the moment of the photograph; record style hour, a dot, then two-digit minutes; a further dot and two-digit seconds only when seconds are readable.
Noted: 6.58
